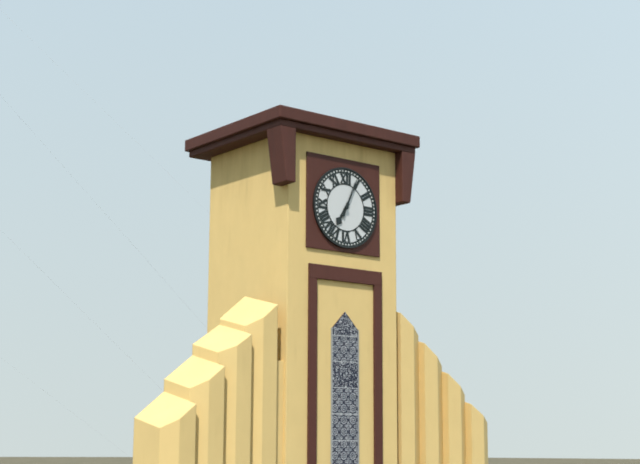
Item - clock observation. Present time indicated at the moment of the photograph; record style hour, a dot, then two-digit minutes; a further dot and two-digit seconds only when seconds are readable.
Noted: 7.04
